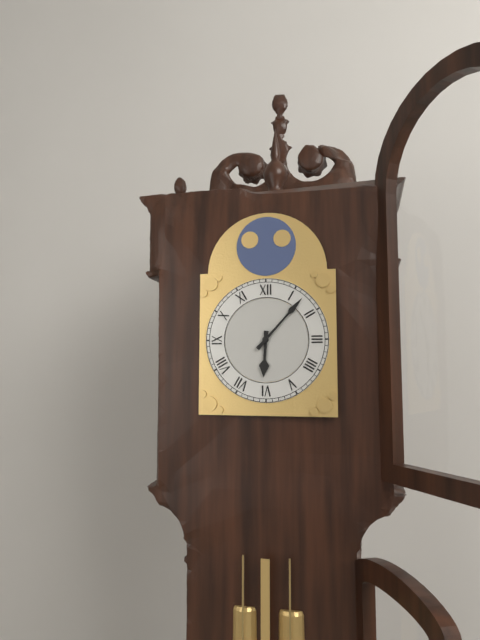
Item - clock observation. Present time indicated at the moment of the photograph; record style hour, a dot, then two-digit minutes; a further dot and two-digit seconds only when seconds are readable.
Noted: 6.07
